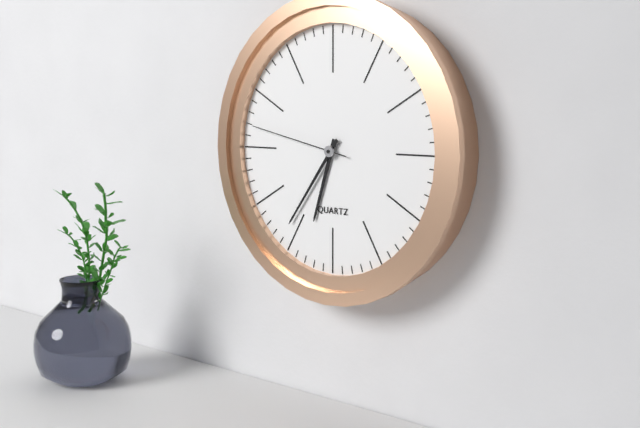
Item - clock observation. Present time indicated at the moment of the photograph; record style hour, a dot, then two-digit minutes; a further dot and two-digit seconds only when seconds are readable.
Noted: 6.36.47
